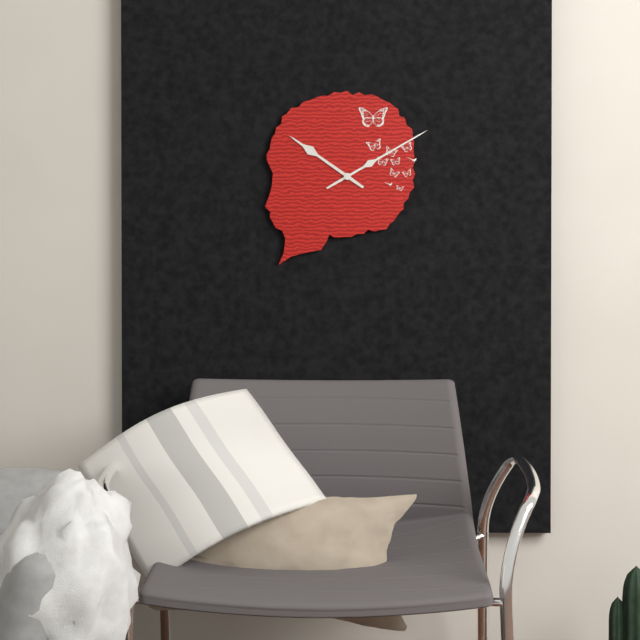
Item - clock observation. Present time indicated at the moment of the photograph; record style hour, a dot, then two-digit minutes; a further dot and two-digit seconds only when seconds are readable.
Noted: 10.10
